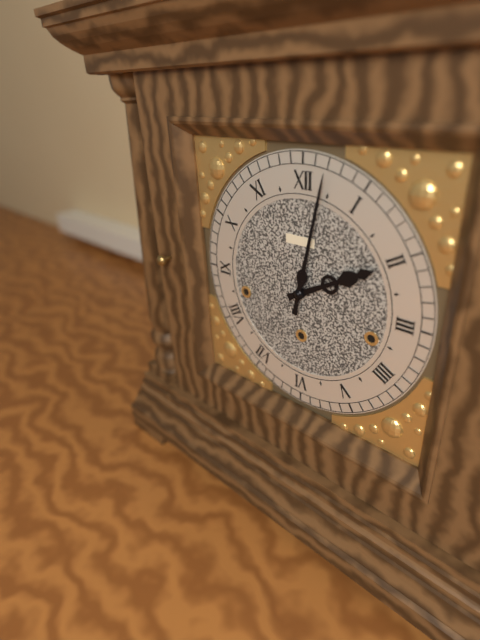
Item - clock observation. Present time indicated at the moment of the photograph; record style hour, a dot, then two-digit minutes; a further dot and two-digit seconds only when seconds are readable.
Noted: 2.02
